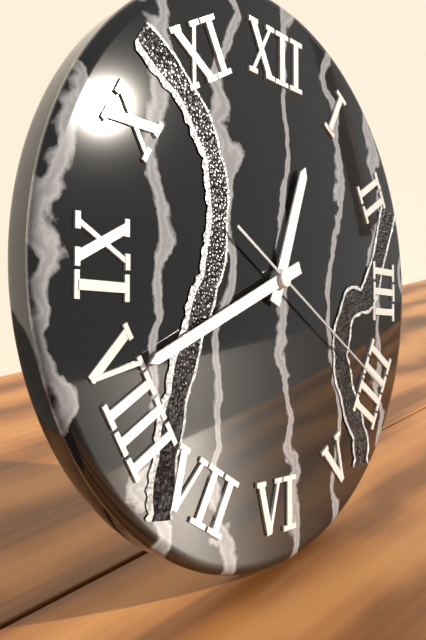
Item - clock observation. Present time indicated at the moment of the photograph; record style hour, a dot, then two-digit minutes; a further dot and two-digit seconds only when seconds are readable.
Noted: 12.41.20
